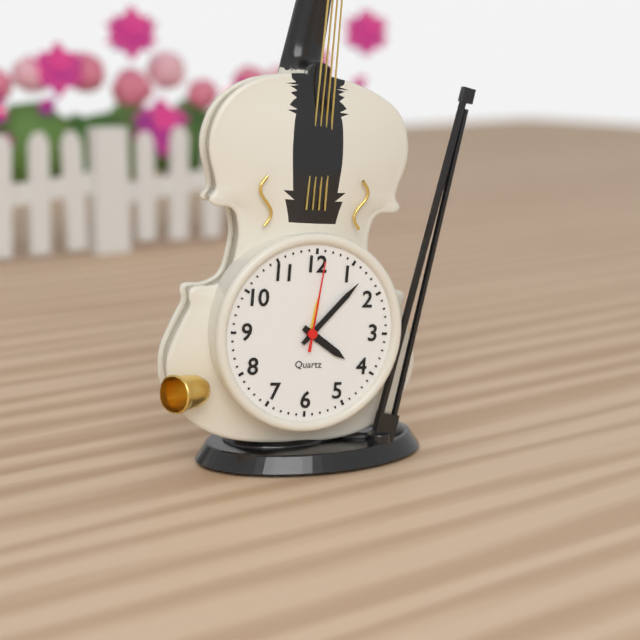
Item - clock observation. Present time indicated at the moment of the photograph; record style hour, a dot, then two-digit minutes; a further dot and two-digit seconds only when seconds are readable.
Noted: 4.07.01
